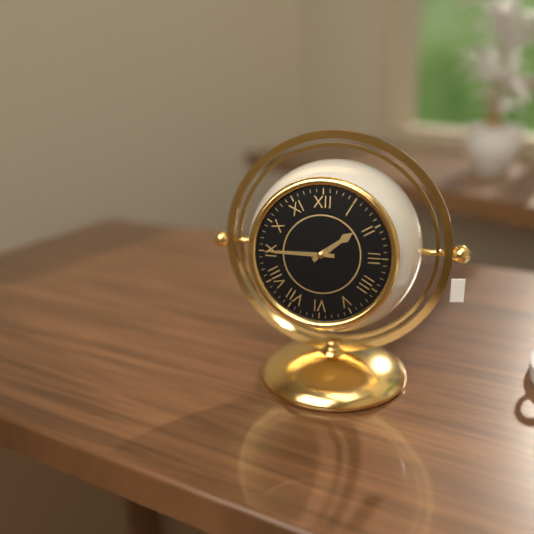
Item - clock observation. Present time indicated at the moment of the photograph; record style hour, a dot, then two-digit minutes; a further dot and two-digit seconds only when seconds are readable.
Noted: 1.45
